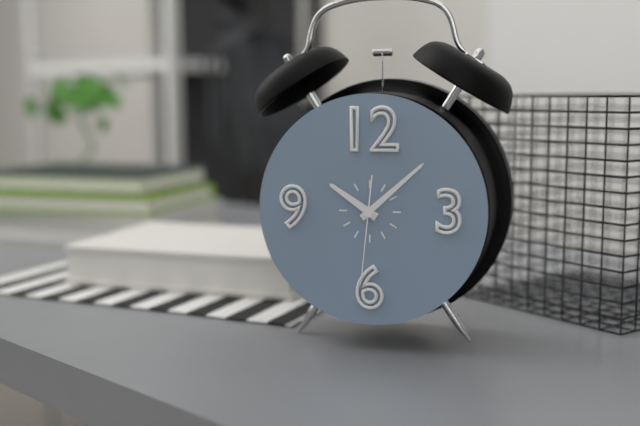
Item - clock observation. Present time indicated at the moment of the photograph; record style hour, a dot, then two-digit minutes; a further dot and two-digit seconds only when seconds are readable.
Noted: 10.08.31
